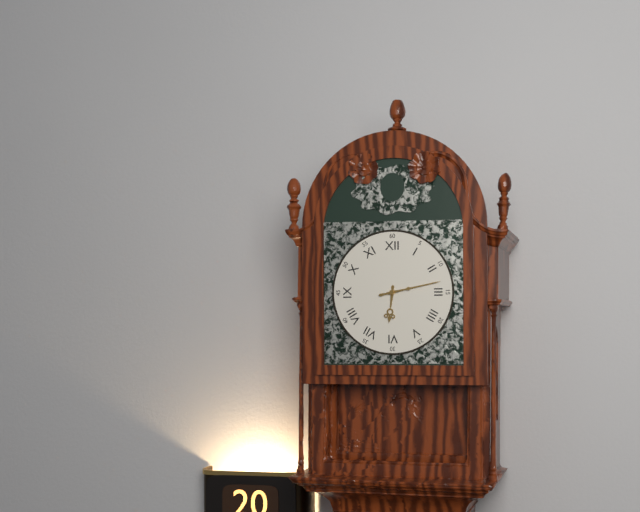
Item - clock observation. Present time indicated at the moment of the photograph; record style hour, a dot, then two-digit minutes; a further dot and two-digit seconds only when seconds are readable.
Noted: 6.13
